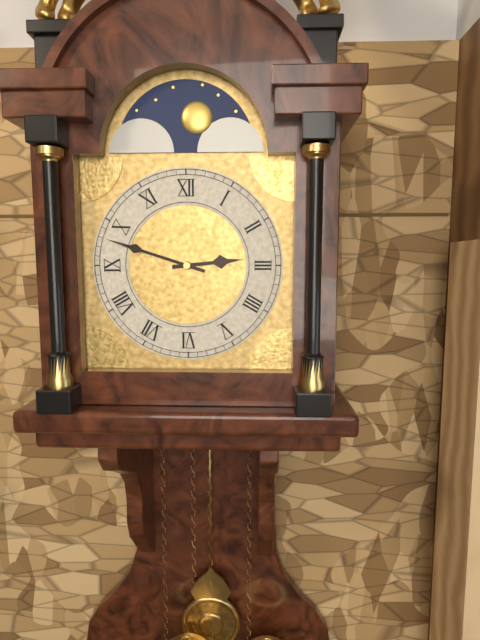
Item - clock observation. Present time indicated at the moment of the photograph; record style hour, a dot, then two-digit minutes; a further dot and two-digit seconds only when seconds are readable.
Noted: 2.48
